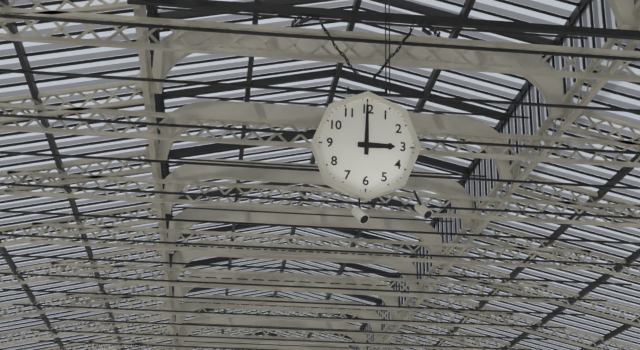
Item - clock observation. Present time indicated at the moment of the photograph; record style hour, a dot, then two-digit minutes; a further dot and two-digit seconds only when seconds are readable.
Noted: 3.00
